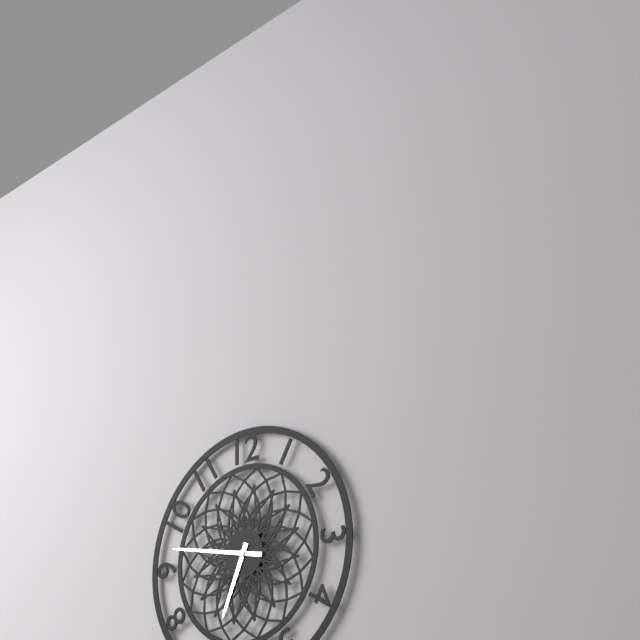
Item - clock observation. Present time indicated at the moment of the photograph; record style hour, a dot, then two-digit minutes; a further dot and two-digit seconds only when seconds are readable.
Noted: 6.47
